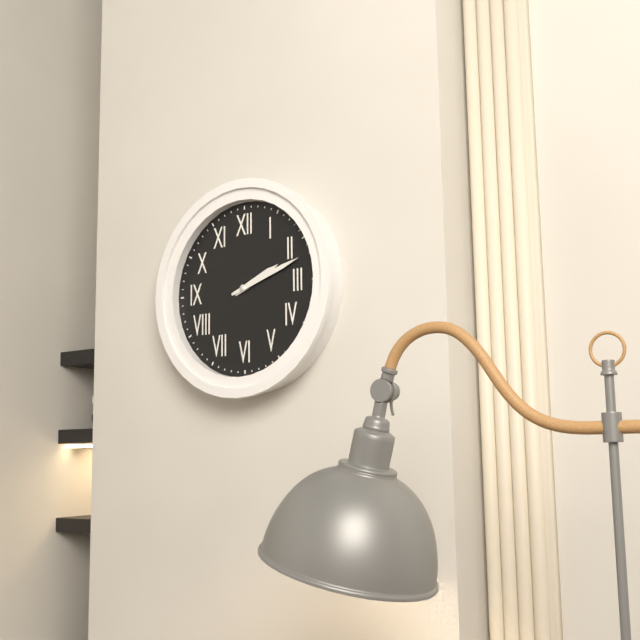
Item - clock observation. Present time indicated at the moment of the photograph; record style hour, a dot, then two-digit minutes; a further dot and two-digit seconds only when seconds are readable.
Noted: 2.12
